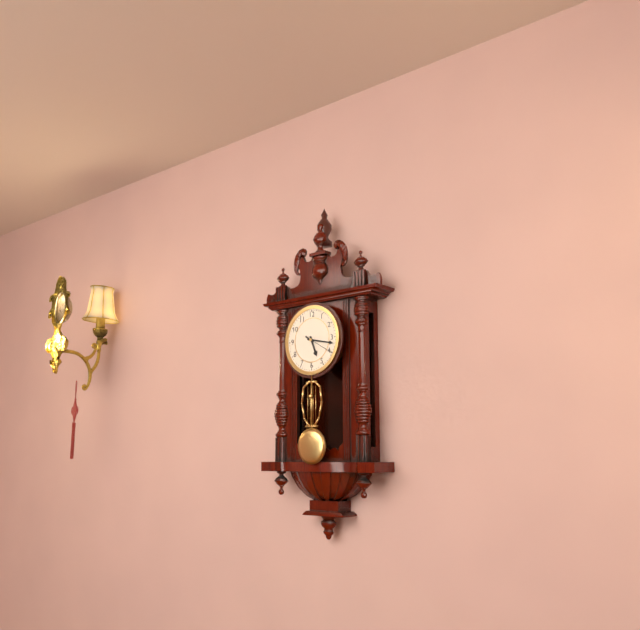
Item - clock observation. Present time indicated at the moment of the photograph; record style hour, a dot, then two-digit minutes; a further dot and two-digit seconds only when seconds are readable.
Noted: 5.17
